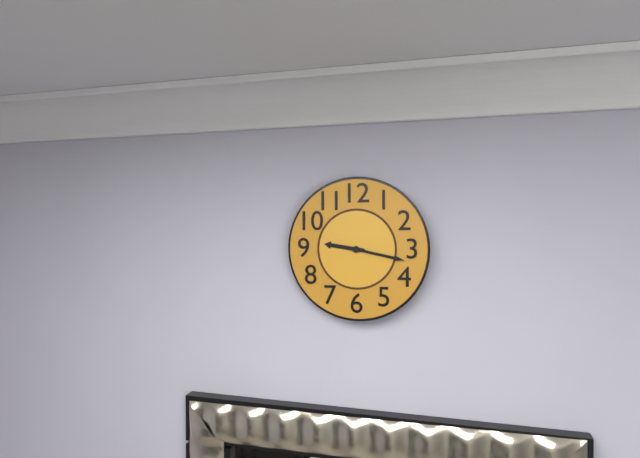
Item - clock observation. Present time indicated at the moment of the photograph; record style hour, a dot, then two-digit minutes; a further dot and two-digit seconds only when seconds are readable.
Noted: 9.17
